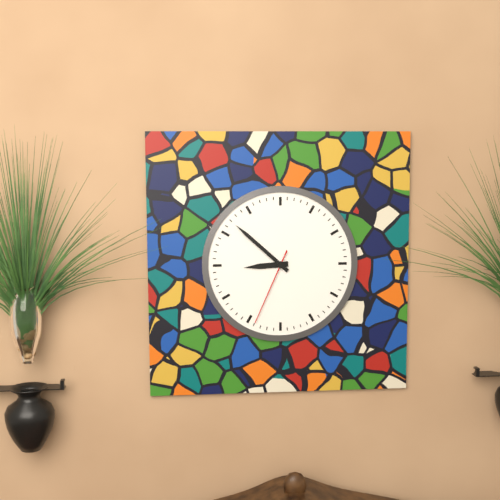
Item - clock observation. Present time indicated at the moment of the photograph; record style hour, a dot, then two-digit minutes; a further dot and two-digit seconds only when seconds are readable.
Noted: 8.52.34
